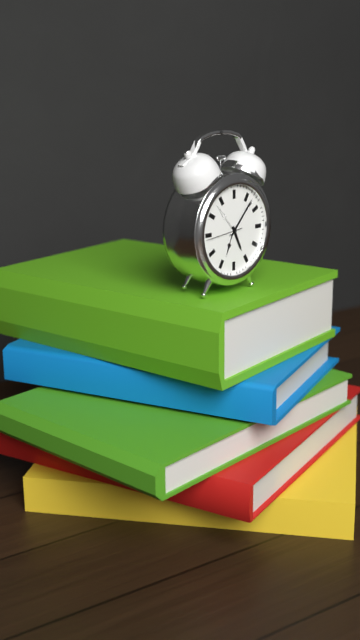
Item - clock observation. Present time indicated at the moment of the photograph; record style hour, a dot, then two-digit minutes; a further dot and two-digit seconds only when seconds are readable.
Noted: 5.07
